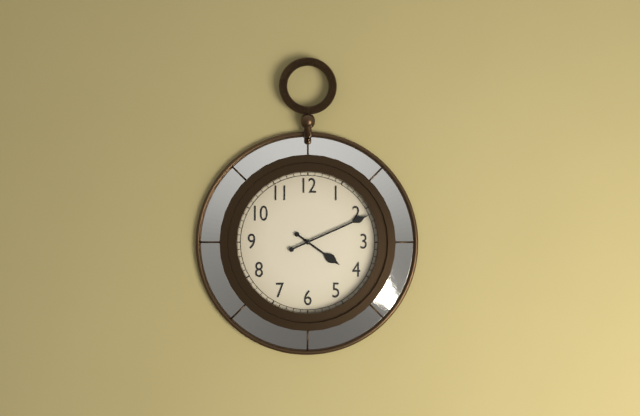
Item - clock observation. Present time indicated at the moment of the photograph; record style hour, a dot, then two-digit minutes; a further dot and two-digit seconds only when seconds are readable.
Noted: 4.11
